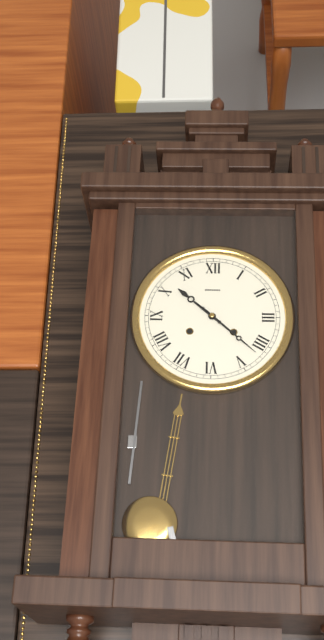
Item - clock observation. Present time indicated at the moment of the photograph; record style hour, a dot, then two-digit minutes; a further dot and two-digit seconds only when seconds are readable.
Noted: 10.22
